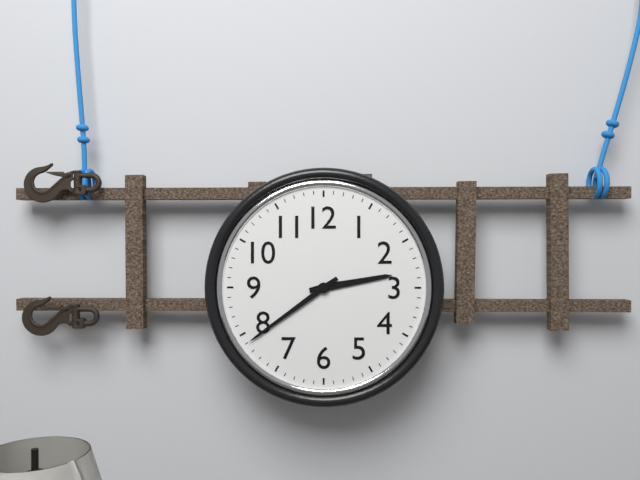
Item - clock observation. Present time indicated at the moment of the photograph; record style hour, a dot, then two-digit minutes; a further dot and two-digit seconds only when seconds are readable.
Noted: 2.39
